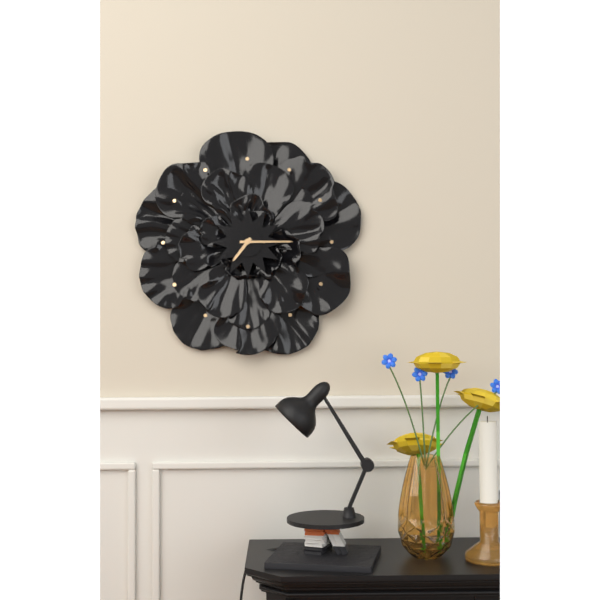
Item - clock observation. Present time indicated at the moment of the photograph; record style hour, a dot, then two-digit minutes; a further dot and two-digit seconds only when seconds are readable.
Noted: 7.15
